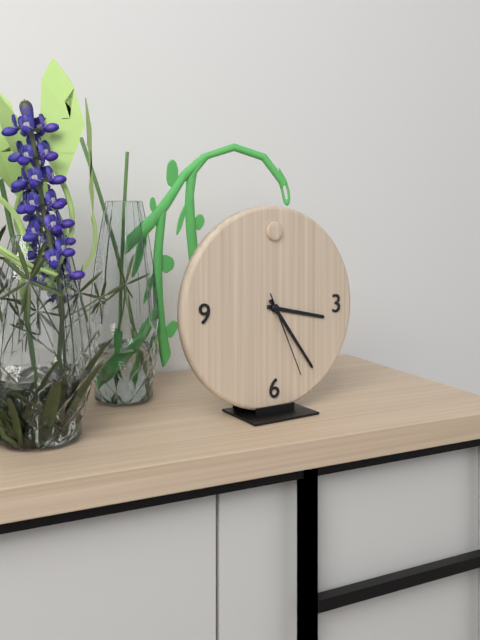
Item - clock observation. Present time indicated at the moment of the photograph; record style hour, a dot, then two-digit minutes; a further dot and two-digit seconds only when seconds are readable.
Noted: 3.24.26
